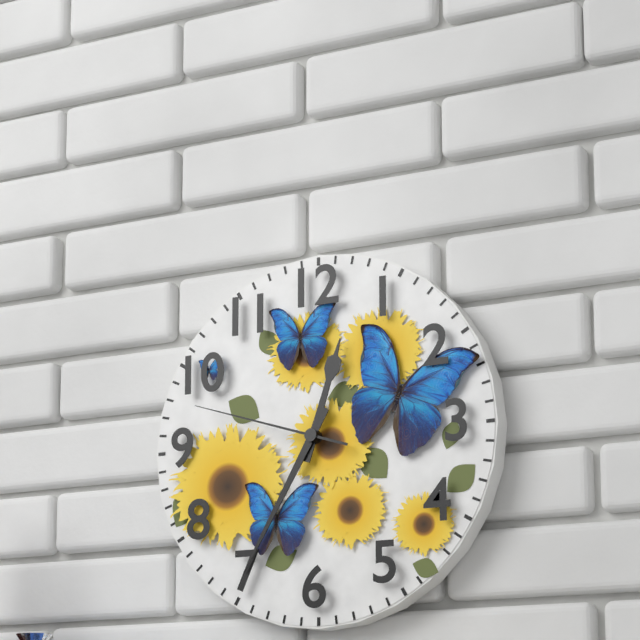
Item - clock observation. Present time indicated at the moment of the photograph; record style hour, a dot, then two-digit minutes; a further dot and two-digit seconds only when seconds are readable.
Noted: 12.35.48
